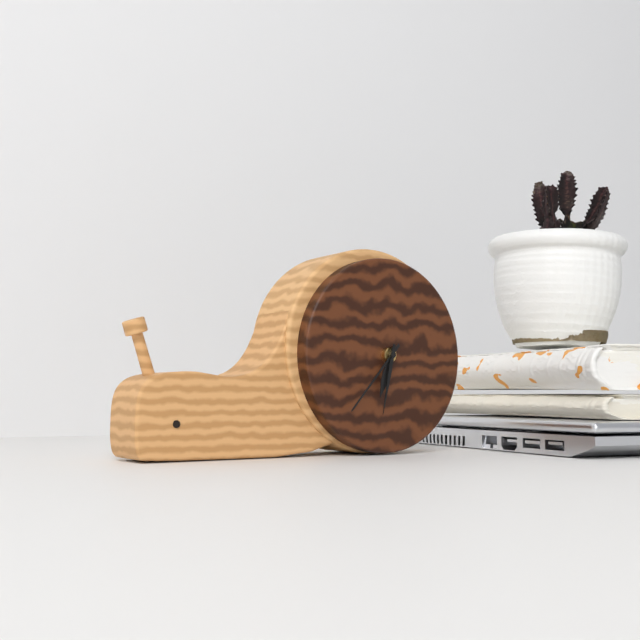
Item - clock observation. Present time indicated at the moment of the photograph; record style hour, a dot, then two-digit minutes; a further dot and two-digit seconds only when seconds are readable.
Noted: 6.37.32
